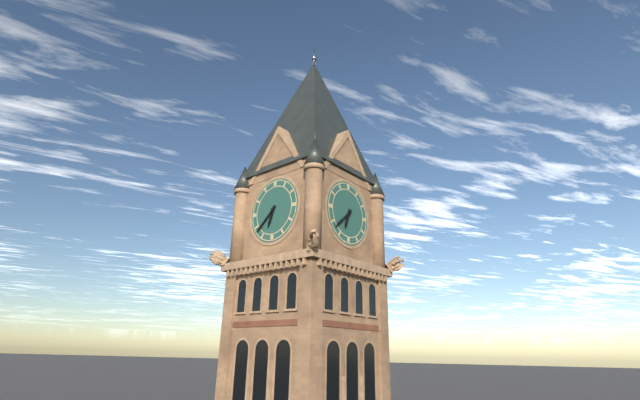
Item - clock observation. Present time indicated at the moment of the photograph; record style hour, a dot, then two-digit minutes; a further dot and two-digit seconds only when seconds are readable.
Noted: 6.38
